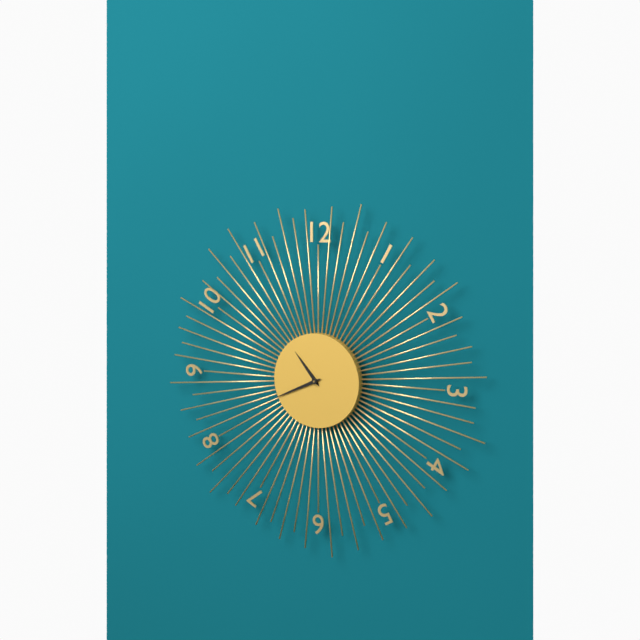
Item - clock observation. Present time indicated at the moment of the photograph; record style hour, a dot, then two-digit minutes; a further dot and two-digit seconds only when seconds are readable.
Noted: 10.41
